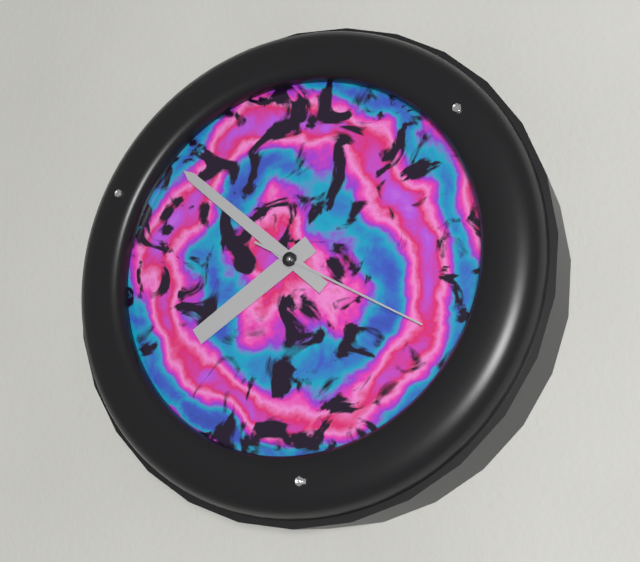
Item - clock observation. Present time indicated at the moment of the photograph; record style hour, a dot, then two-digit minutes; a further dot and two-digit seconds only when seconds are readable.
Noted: 7.52.20
